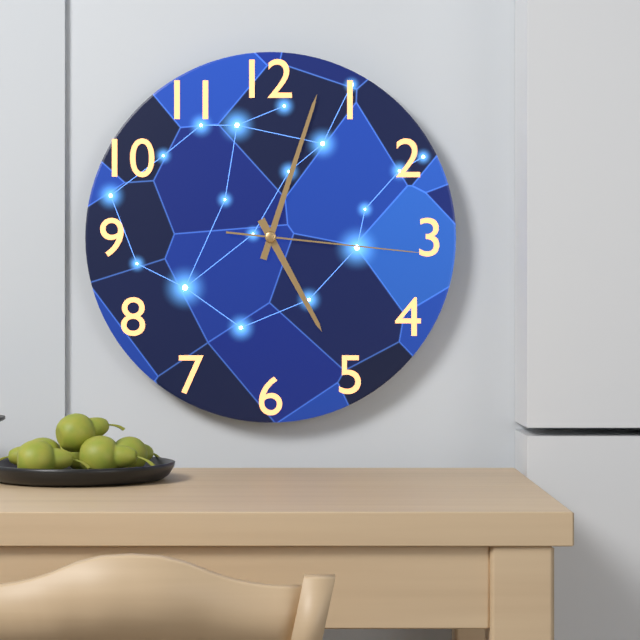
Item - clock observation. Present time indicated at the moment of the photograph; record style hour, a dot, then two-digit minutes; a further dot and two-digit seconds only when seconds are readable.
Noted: 5.03.16
